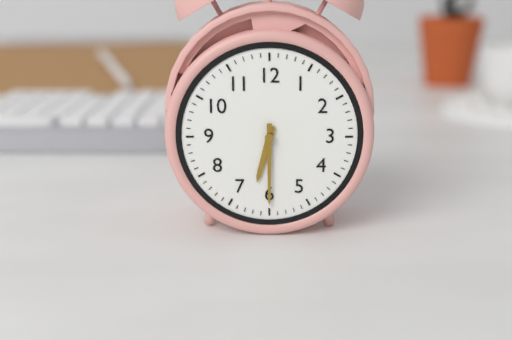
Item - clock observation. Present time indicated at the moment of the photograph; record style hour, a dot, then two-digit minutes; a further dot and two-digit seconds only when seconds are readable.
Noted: 6.30
